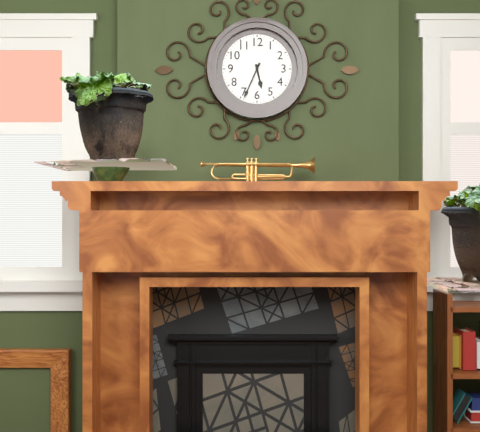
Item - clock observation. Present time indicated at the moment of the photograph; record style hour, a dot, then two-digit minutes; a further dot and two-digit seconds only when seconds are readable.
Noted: 5.34
